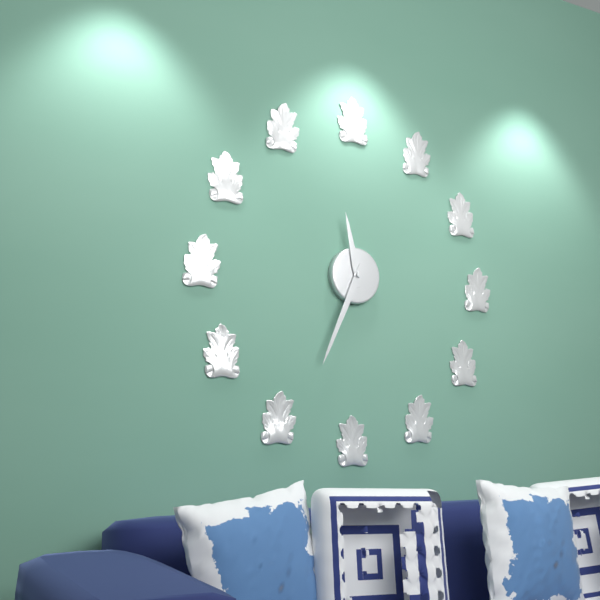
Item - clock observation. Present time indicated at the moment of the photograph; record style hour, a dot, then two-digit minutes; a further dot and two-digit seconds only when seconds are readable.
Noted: 11.34
